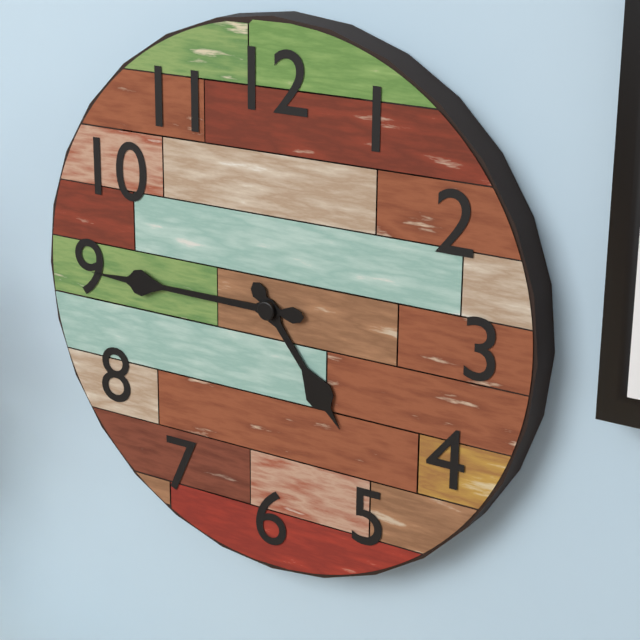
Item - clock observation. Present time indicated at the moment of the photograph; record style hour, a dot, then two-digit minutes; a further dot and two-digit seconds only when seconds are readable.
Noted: 4.45
